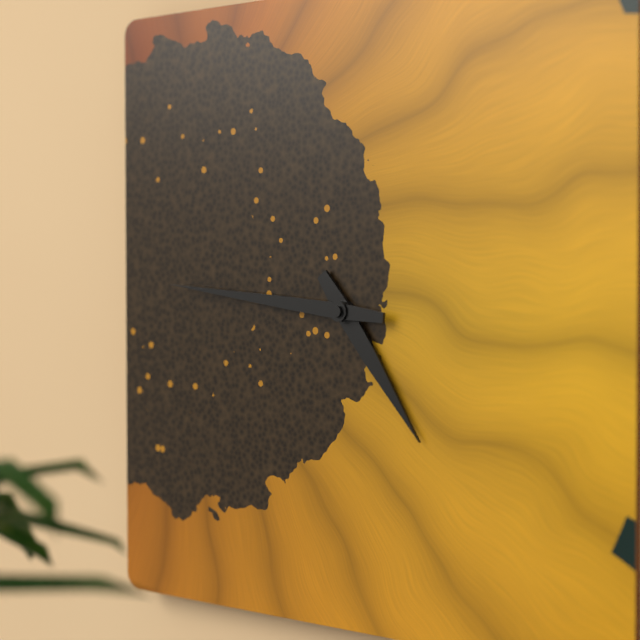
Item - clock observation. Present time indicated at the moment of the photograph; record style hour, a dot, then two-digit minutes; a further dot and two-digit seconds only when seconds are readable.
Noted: 4.46
